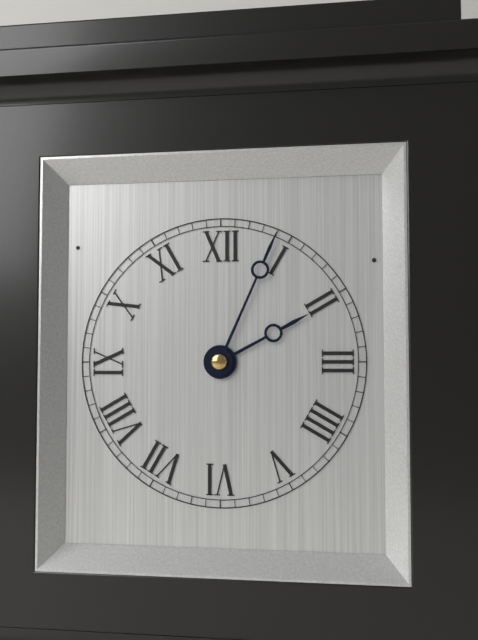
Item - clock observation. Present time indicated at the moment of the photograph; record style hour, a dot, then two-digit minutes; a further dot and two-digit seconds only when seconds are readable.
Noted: 2.04
